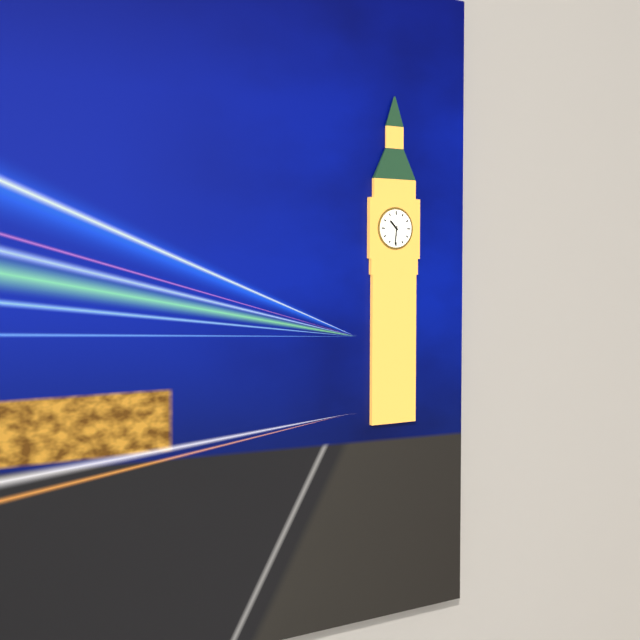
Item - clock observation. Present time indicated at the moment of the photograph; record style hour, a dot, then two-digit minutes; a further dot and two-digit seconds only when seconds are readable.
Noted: 10.31
